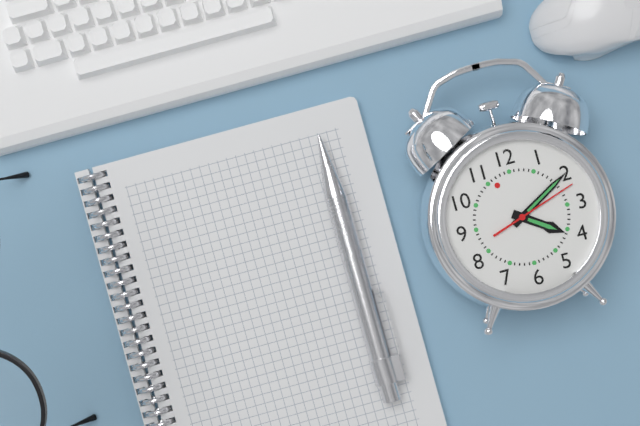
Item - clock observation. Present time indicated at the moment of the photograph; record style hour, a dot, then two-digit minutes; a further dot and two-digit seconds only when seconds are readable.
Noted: 4.10.12
